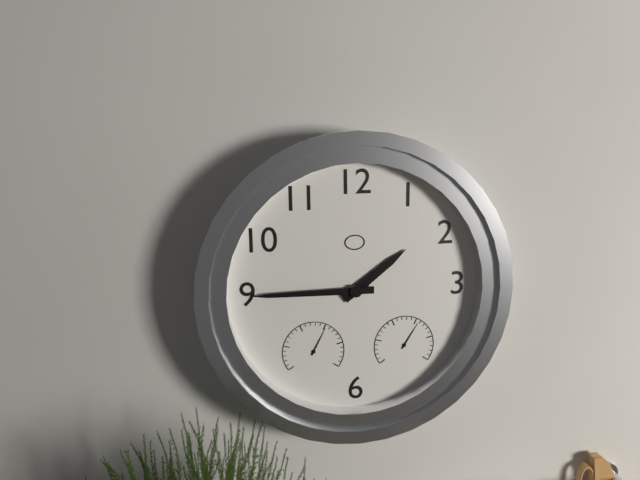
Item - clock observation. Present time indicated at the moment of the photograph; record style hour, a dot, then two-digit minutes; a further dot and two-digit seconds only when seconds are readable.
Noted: 1.45
